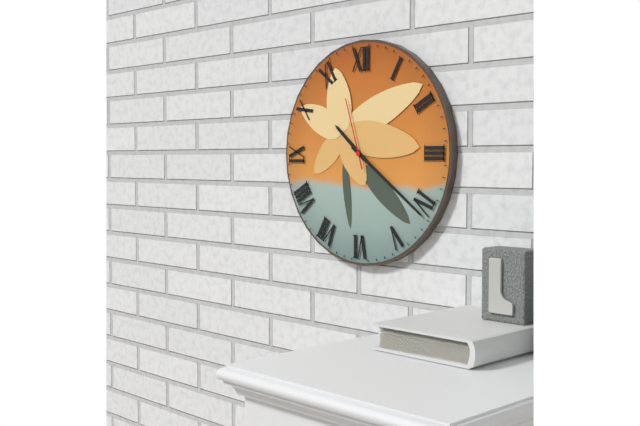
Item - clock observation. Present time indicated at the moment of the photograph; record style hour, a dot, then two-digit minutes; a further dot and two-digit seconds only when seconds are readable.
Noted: 10.21.57
